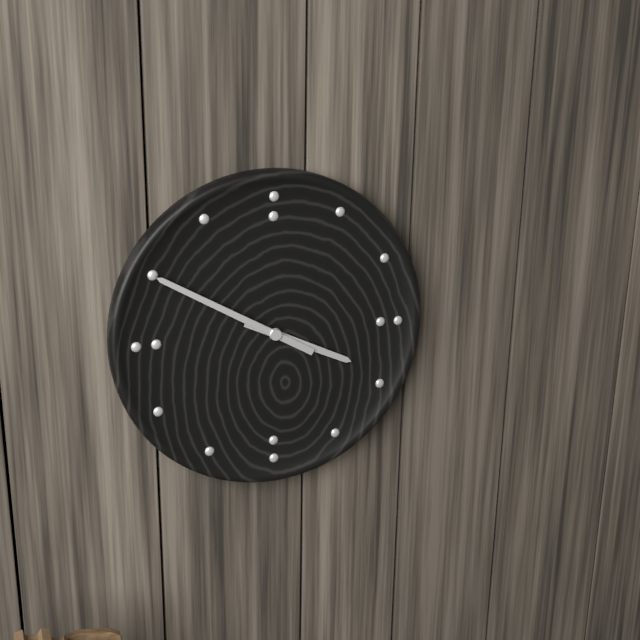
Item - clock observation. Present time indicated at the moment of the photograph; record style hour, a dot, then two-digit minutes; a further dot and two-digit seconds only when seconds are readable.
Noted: 3.50
